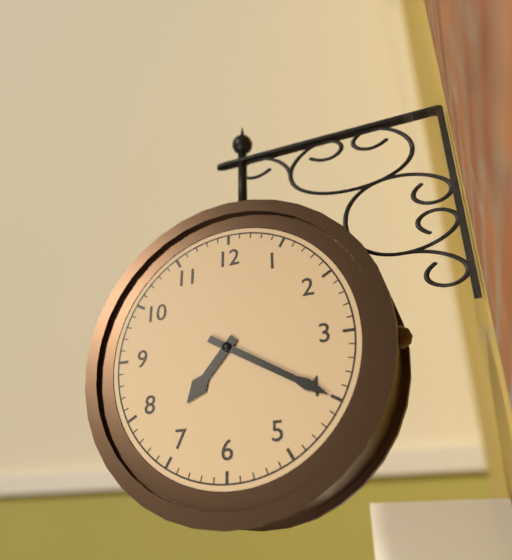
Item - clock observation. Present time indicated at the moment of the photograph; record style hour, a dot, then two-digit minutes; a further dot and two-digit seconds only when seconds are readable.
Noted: 7.20
